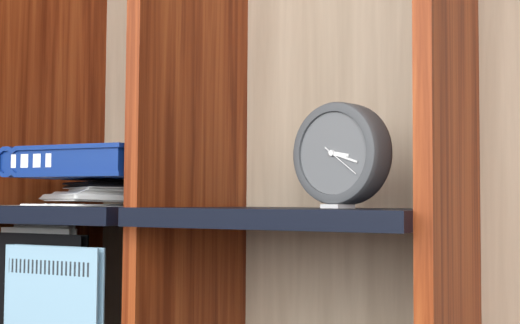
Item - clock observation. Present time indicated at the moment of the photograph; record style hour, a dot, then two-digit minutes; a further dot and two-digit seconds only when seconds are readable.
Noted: 3.18
